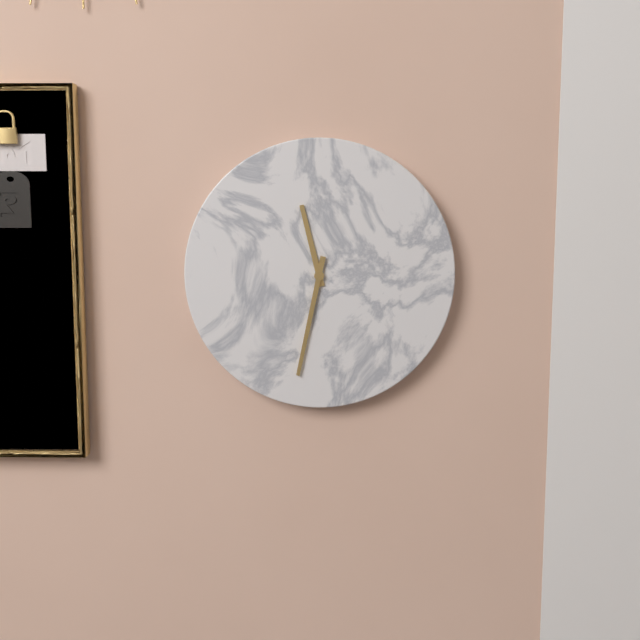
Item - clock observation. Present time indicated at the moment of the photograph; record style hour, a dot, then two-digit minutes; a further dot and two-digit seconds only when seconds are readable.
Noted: 11.32
